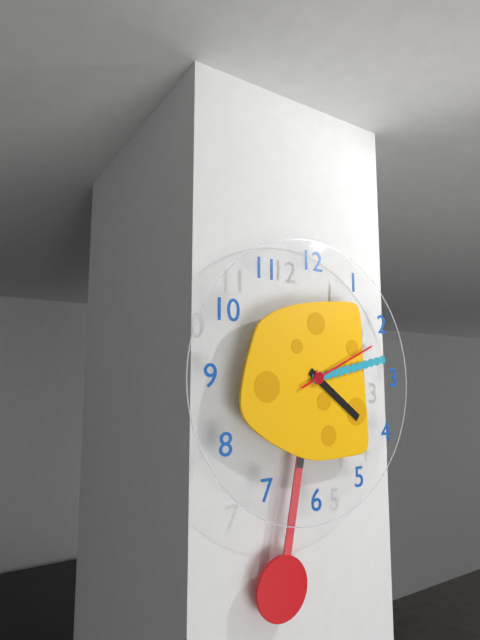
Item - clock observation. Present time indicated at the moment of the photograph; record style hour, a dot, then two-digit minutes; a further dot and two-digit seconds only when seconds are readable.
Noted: 4.13.11
